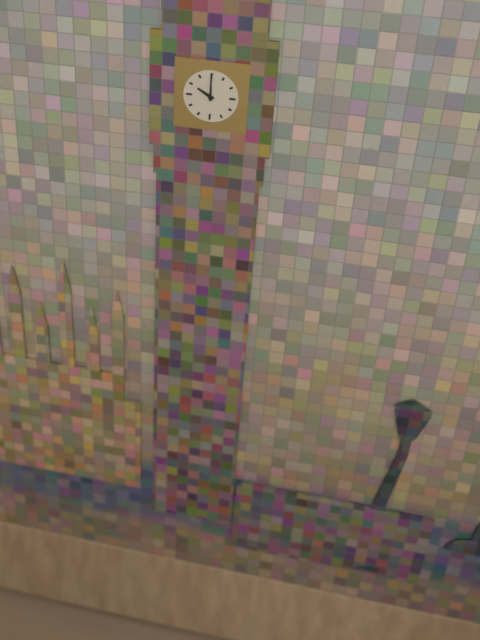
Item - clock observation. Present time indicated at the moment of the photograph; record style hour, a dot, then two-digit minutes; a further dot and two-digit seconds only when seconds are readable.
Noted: 10.00
